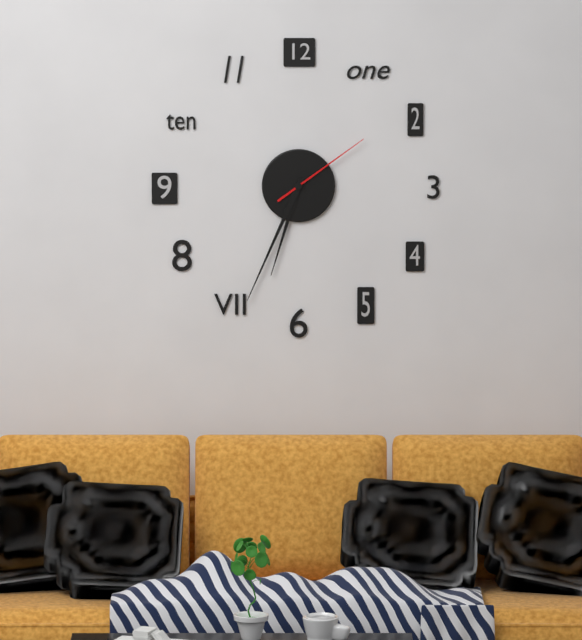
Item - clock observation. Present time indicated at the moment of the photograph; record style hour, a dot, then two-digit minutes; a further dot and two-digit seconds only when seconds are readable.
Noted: 6.34.09
